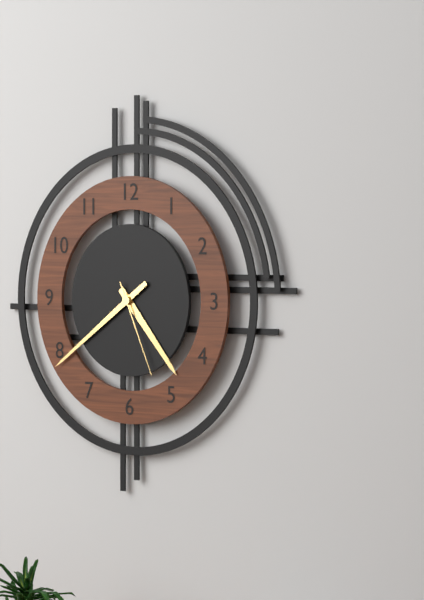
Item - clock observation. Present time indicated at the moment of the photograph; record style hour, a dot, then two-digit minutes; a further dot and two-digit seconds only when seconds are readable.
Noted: 4.39.26
